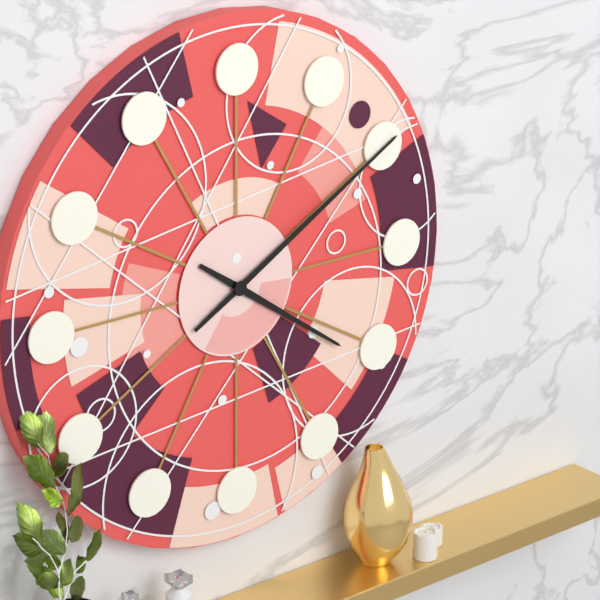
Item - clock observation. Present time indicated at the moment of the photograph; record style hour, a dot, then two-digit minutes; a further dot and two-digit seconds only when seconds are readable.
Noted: 4.10
